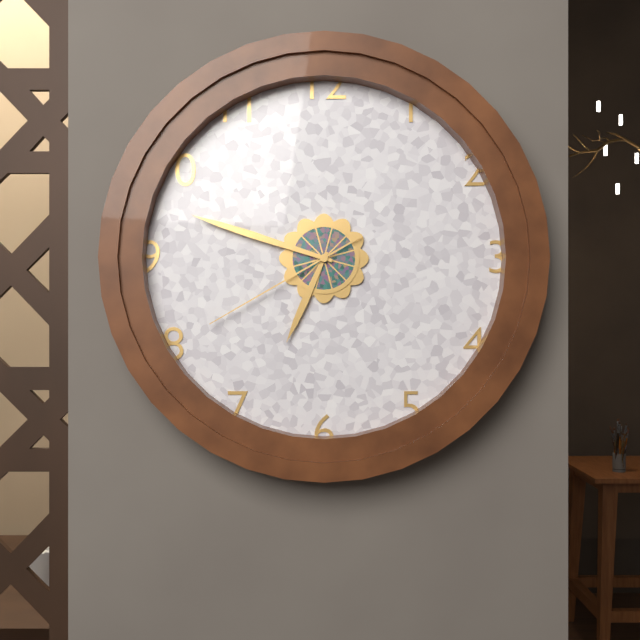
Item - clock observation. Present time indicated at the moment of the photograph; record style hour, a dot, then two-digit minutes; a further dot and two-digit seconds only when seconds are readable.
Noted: 6.48.40
